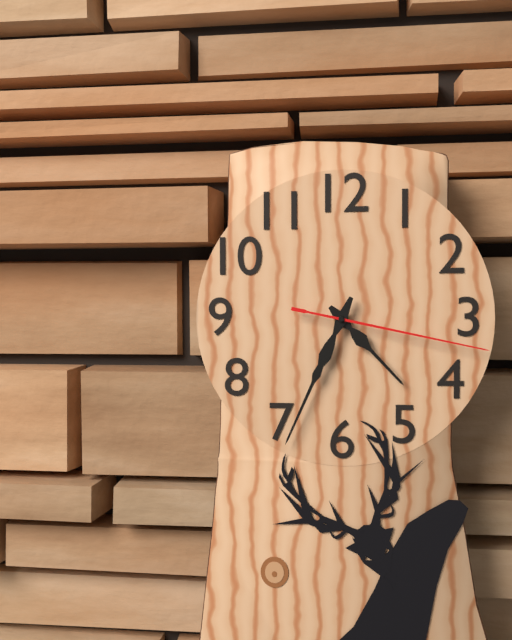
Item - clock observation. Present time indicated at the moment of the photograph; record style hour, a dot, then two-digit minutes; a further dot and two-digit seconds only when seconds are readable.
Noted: 4.34.17
